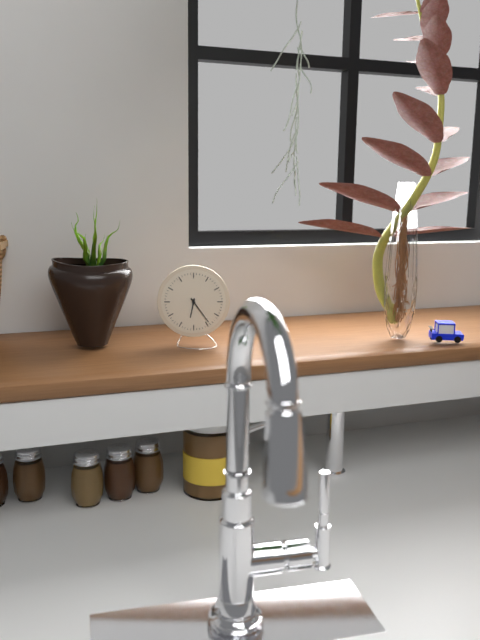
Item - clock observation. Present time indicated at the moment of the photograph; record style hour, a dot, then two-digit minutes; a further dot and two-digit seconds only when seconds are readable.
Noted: 6.24
